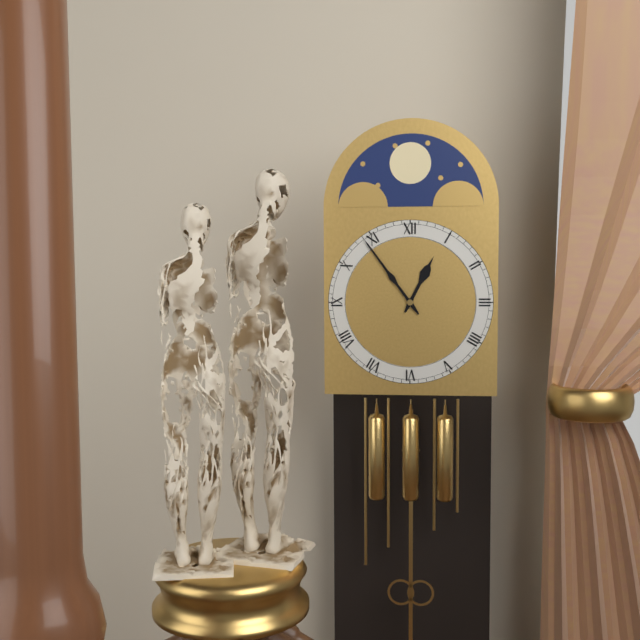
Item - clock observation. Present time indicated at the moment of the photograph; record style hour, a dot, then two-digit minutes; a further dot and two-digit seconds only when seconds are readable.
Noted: 12.54
